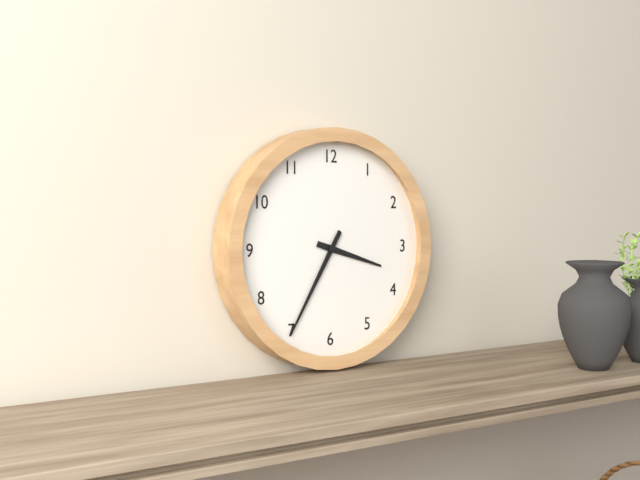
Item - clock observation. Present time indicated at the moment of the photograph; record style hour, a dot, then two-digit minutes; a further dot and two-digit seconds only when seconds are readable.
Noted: 3.35
